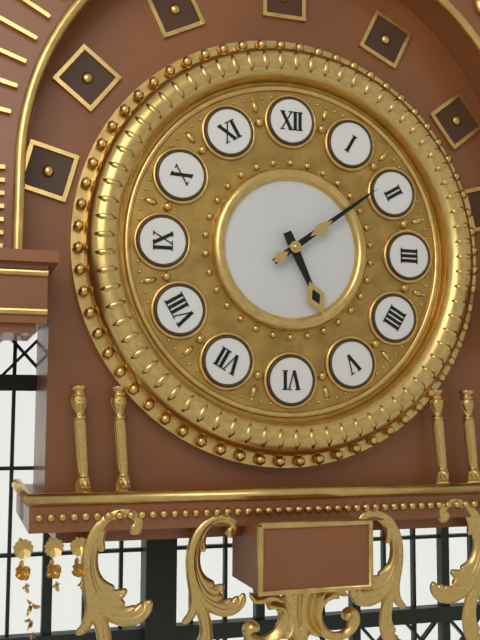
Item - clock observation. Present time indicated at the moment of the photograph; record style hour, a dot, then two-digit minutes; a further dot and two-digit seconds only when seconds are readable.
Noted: 5.09
